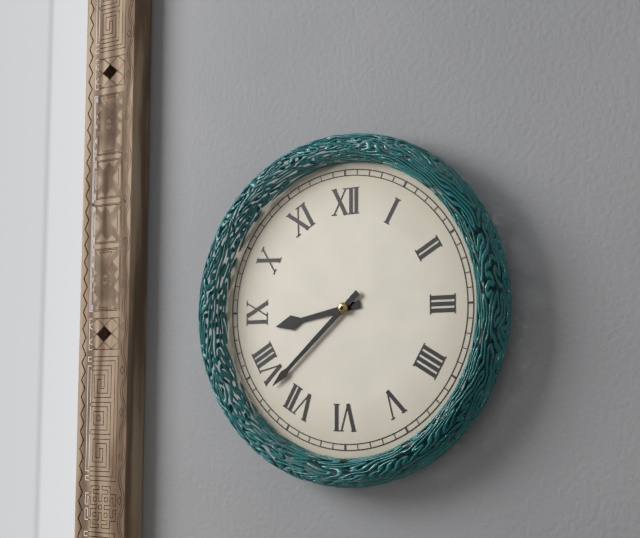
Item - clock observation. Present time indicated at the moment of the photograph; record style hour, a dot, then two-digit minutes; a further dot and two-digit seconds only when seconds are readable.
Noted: 8.38
